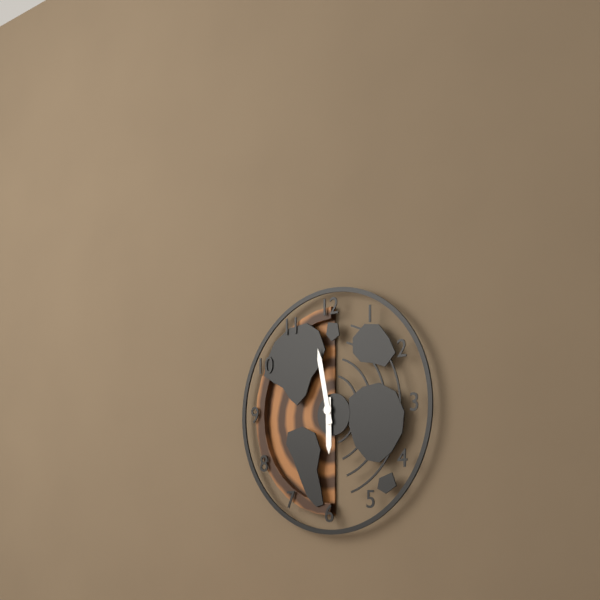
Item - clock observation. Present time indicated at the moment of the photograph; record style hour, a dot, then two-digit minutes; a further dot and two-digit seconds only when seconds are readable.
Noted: 5.58
